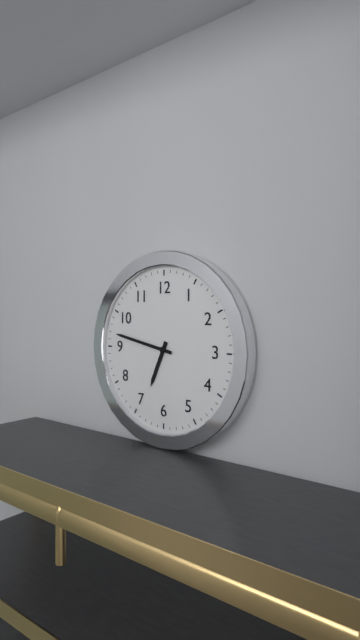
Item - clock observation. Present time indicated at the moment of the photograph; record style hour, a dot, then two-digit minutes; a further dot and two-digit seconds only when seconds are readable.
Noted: 6.47
